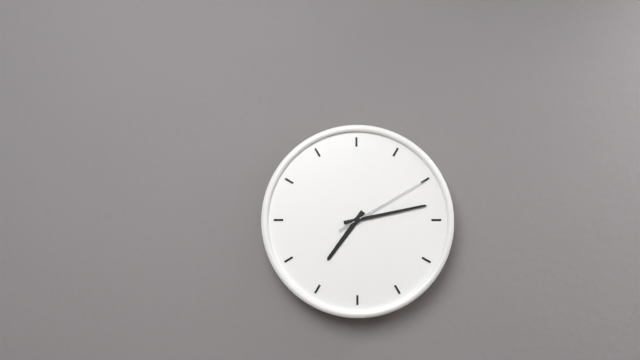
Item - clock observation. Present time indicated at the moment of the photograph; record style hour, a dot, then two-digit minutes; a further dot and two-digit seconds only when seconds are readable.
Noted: 7.13.10
